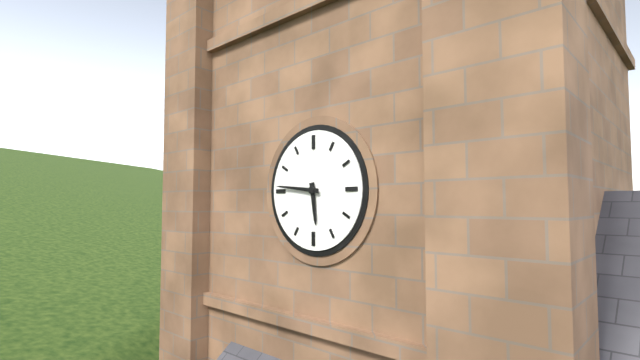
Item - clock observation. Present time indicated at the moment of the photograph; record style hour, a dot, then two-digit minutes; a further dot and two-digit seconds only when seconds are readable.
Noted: 5.46
